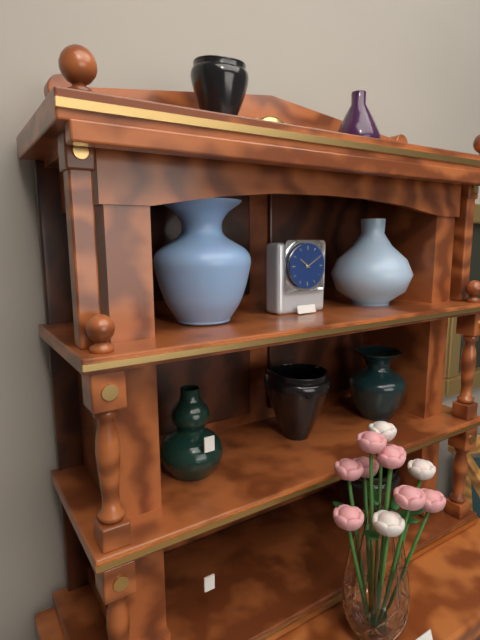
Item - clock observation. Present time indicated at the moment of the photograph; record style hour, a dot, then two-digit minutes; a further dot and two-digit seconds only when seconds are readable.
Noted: 10.10
